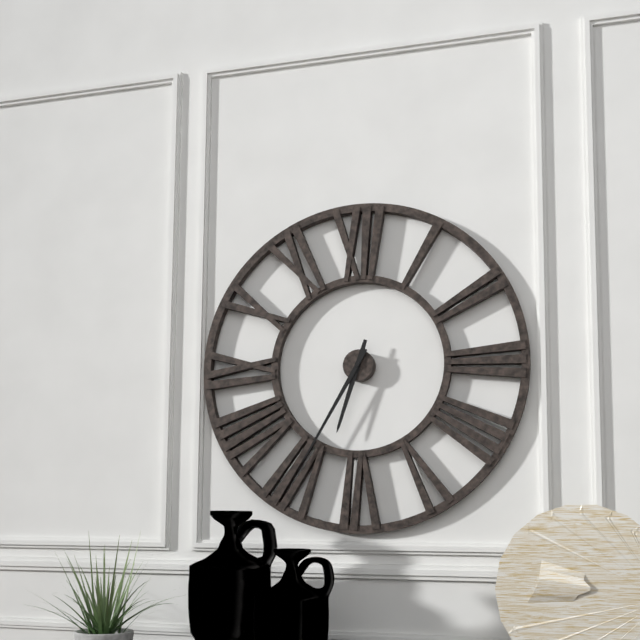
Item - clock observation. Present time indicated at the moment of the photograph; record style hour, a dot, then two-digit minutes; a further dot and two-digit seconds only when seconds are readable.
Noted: 6.35
